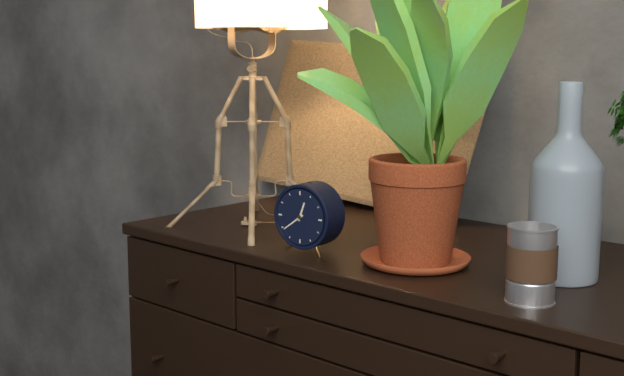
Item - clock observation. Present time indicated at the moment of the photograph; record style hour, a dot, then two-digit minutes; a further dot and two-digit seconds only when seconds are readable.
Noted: 12.39
